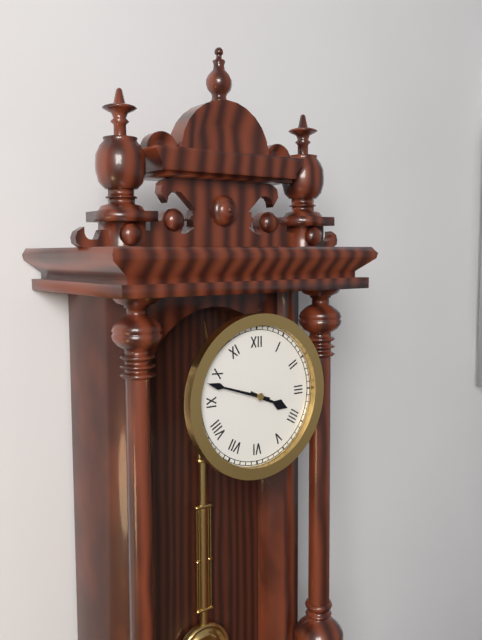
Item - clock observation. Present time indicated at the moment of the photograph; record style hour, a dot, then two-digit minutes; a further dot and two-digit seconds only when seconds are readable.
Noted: 3.48
